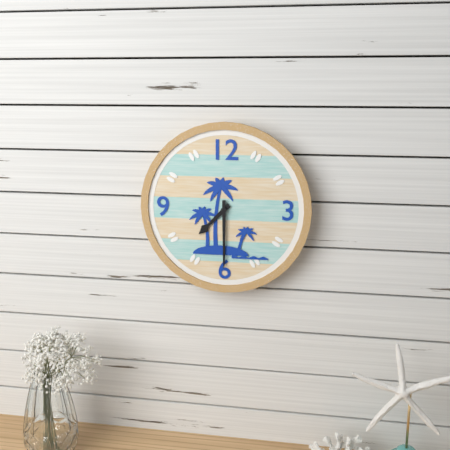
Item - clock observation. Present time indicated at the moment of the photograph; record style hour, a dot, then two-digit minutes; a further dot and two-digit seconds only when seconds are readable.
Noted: 7.30
